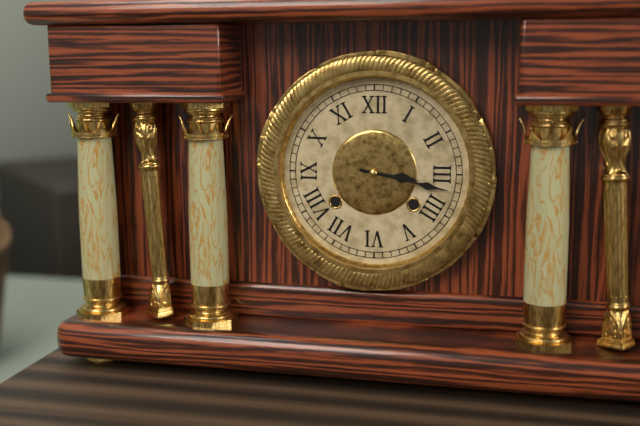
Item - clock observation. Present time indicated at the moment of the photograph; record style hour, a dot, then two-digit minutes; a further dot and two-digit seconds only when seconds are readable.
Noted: 3.17
